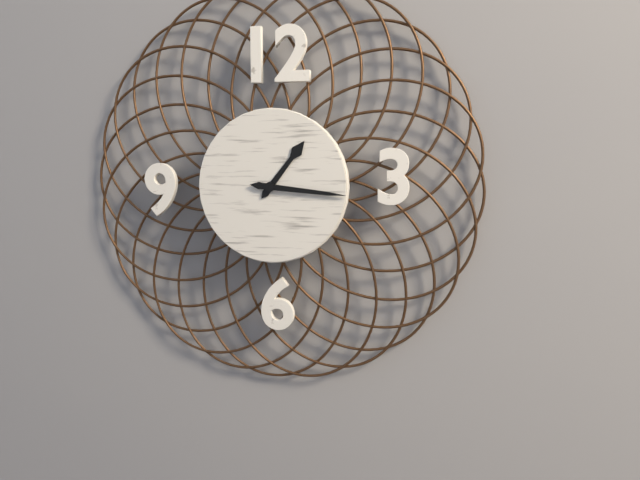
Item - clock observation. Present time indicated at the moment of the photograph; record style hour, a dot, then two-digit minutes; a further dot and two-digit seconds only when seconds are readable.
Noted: 1.16
